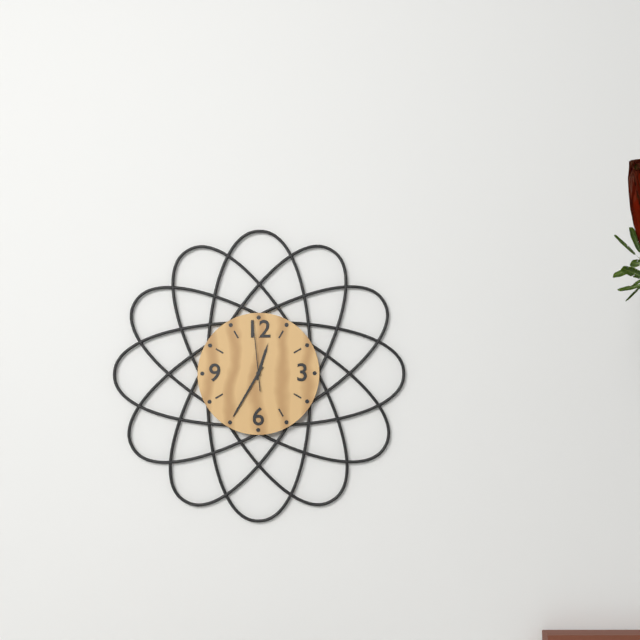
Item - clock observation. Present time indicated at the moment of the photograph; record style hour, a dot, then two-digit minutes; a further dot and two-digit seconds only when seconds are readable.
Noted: 12.35.59
